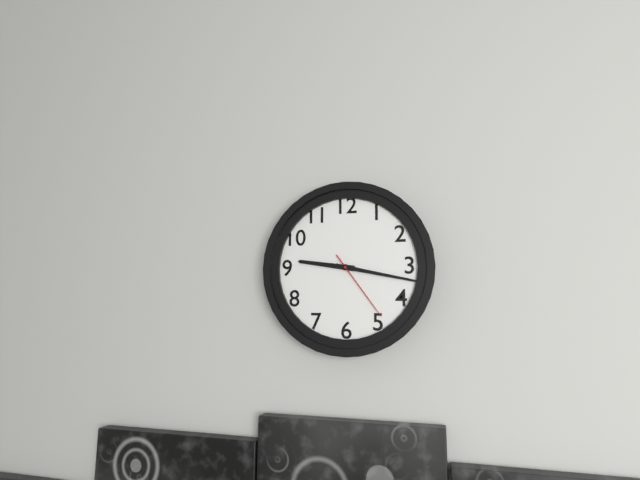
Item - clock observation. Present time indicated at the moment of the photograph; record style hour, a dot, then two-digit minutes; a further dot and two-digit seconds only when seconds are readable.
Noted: 9.17.24
